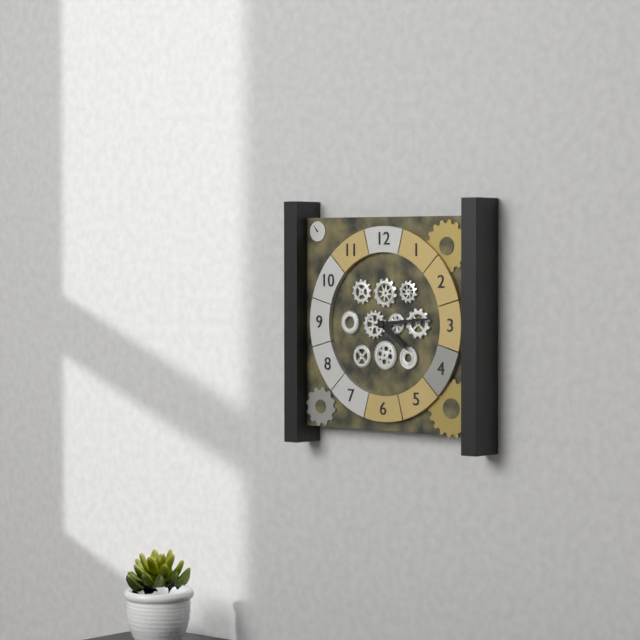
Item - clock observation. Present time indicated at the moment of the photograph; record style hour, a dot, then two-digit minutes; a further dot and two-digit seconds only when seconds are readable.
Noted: 4.14
